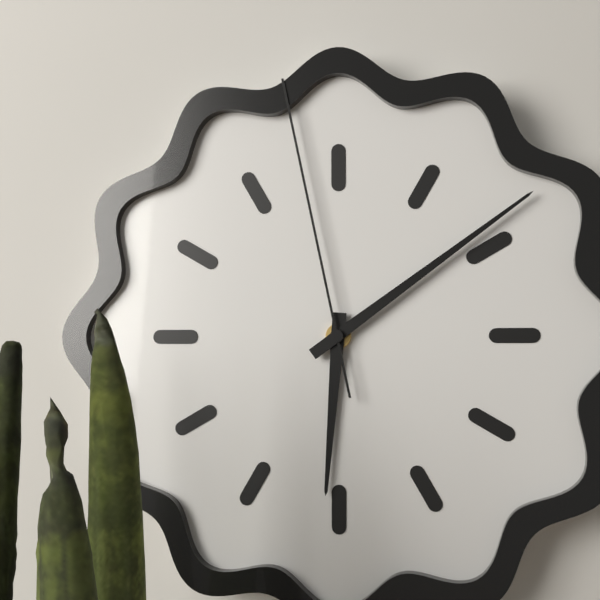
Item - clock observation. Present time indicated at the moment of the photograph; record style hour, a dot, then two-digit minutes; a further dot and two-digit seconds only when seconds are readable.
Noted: 6.09.58
